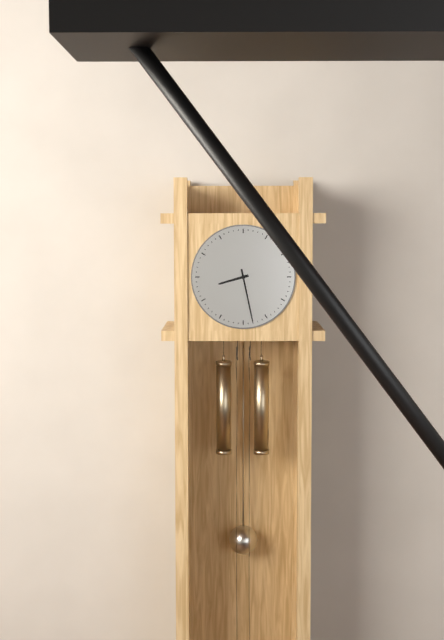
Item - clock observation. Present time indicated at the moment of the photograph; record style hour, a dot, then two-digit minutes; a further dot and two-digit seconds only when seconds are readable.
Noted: 8.28
